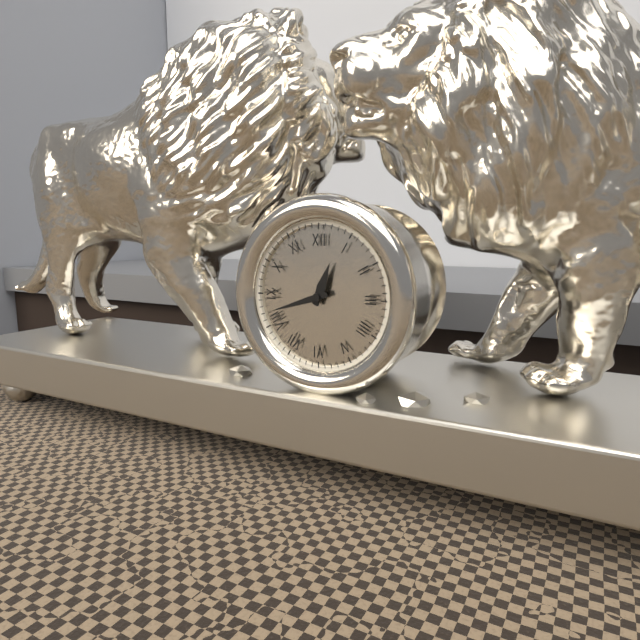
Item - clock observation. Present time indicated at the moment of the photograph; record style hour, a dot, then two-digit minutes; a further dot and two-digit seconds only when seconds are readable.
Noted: 12.42
